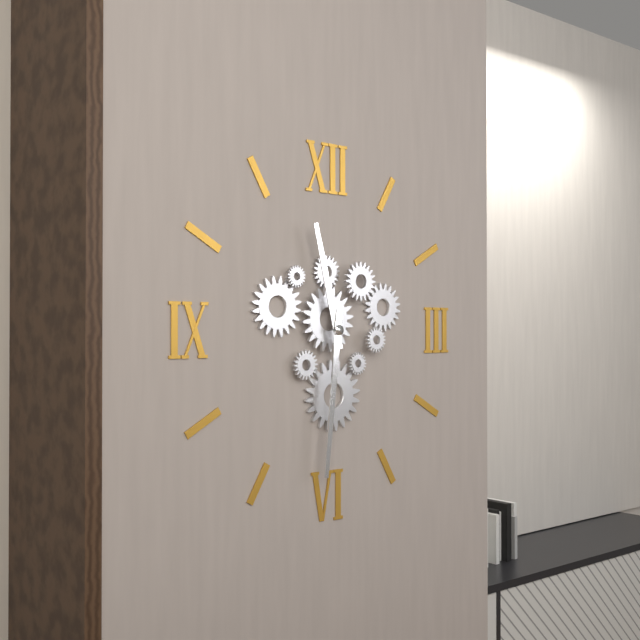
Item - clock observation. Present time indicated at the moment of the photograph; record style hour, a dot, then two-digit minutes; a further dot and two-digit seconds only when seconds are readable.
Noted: 11.31
